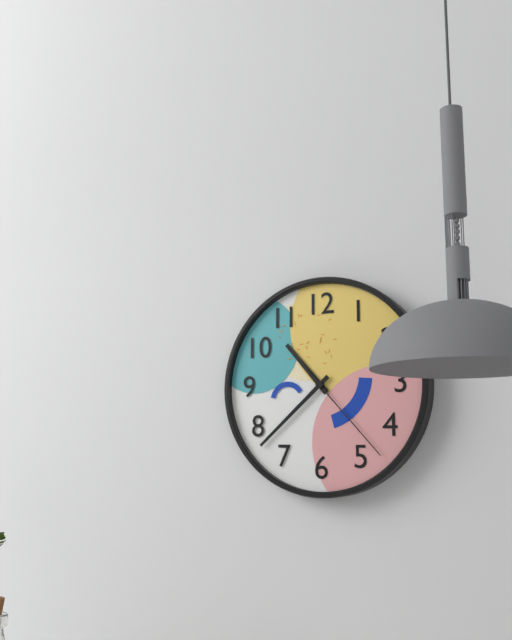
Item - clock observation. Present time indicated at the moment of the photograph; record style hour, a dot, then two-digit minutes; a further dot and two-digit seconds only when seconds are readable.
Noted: 10.38.23
